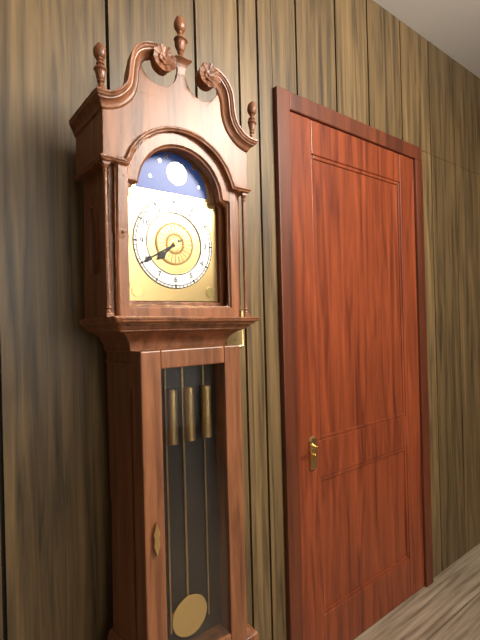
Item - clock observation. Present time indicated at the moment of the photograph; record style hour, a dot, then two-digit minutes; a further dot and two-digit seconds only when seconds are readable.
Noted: 7.40
